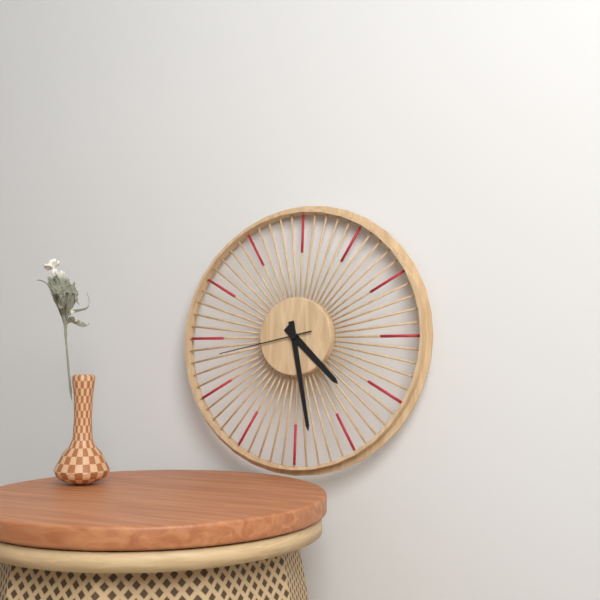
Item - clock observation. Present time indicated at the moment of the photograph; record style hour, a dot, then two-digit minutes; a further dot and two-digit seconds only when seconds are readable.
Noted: 4.28.43
